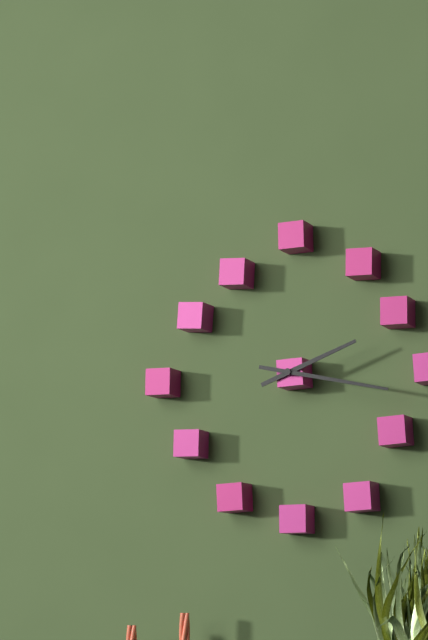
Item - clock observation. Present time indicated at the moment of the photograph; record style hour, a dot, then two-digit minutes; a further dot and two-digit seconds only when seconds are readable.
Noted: 2.17
